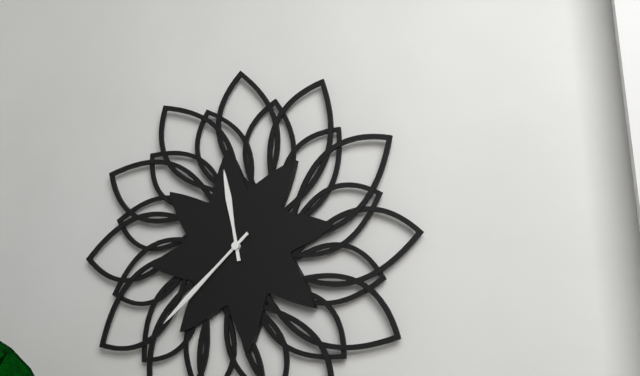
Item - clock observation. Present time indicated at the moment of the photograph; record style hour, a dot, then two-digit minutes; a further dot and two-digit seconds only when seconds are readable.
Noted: 11.38
